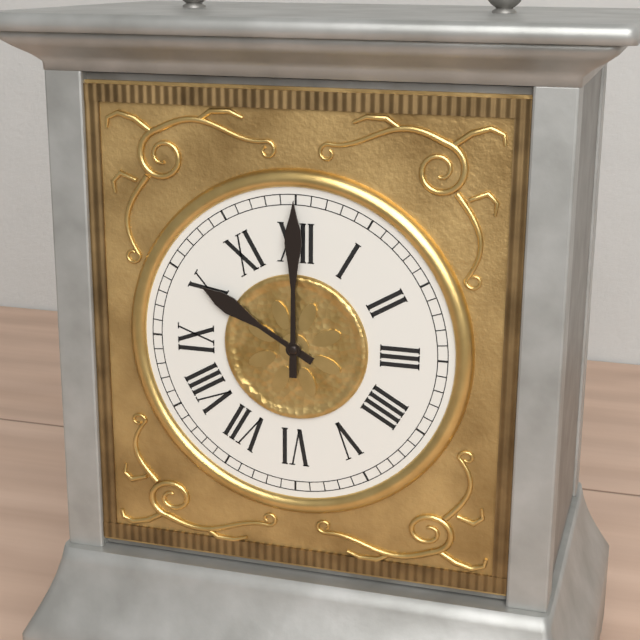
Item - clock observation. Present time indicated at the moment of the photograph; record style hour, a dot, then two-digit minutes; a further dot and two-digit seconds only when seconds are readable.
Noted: 10.00
